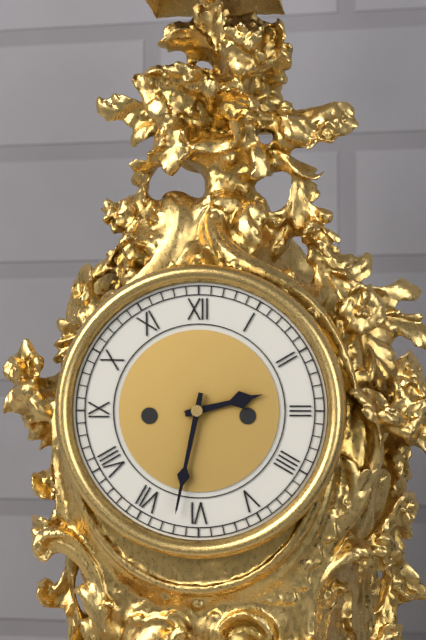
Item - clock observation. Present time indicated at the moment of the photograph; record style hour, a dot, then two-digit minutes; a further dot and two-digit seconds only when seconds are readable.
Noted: 2.32
